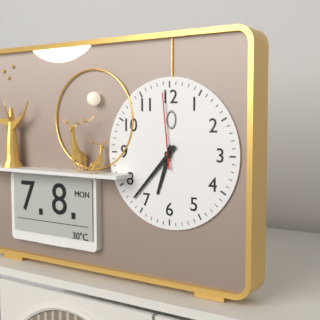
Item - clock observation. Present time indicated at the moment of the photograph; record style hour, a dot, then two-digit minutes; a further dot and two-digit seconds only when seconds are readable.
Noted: 6.37.59
